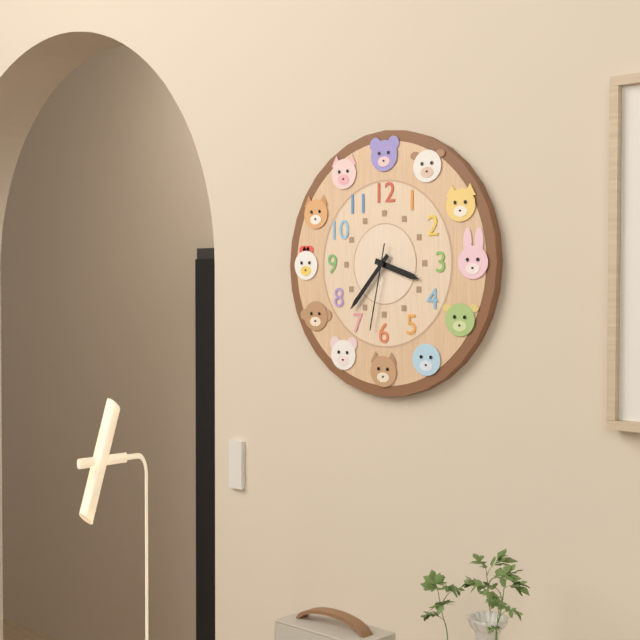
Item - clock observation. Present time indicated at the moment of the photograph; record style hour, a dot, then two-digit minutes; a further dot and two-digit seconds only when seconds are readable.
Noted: 3.37.32
